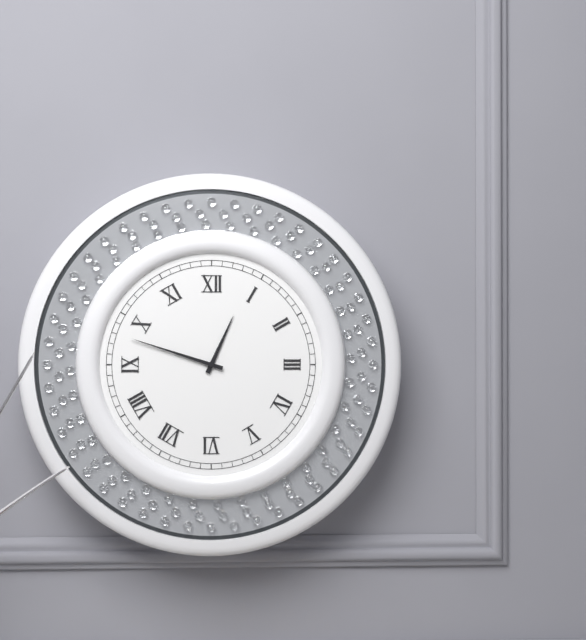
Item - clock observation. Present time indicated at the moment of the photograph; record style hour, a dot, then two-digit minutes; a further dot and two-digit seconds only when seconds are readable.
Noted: 12.48
